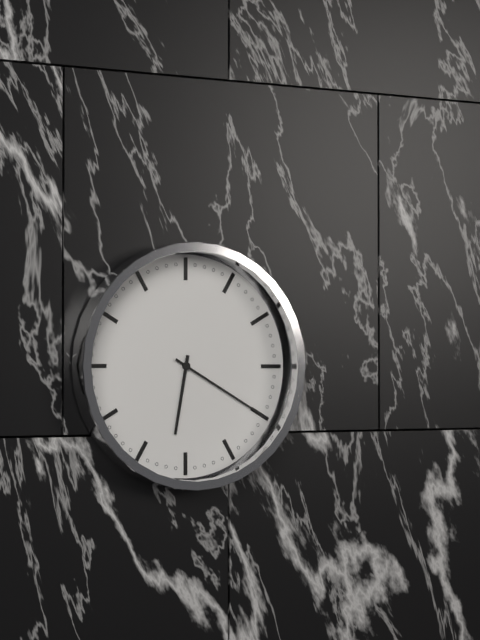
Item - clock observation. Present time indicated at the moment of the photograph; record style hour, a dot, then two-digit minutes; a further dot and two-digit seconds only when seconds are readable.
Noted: 6.20
